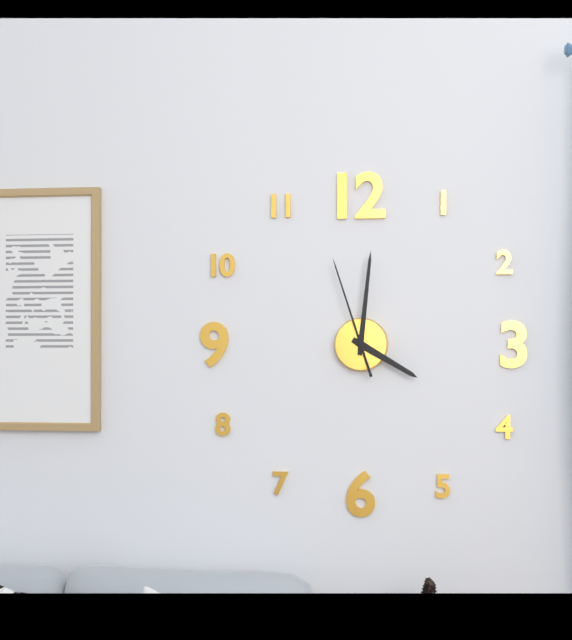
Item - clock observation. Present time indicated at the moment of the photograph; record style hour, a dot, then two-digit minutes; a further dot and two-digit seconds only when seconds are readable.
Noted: 4.01.57
